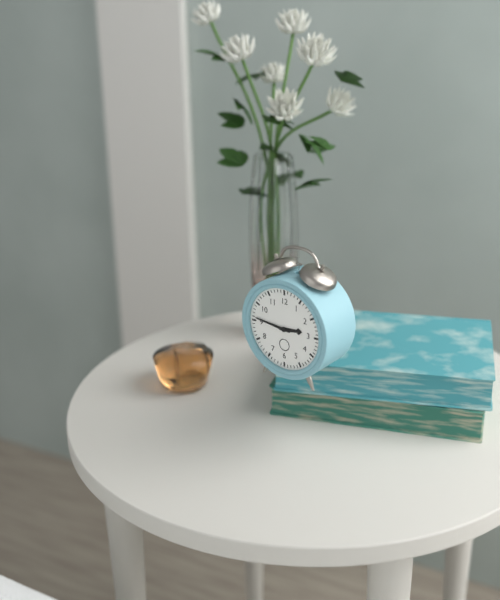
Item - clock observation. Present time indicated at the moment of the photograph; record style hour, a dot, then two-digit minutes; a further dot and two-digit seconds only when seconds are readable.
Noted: 2.46
